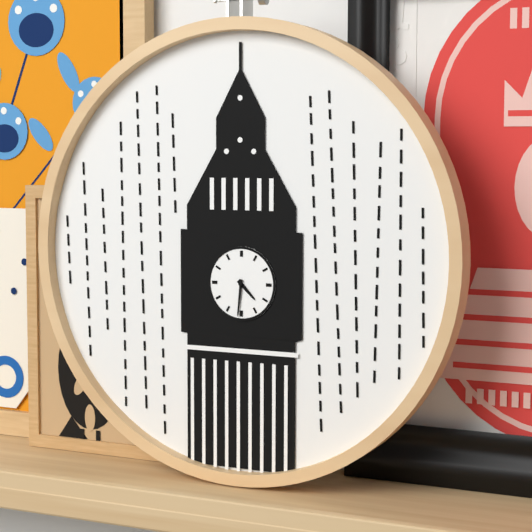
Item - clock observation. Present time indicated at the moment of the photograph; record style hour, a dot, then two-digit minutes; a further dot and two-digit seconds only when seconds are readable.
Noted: 4.31
